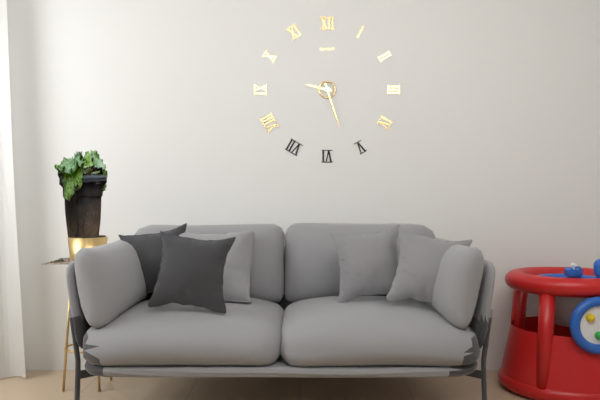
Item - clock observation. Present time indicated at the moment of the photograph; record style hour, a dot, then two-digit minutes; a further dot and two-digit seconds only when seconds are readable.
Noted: 9.27
